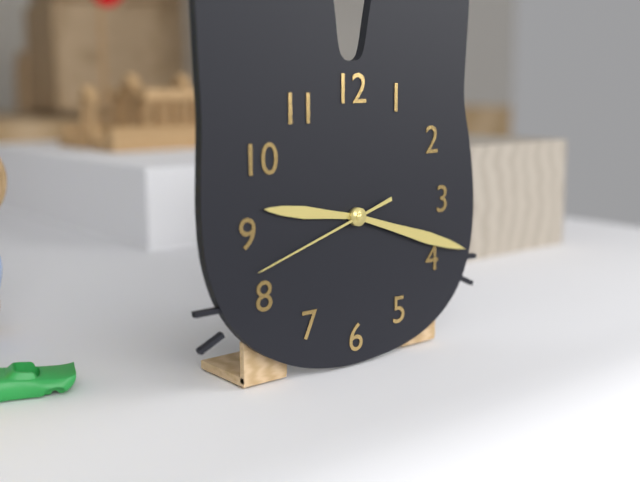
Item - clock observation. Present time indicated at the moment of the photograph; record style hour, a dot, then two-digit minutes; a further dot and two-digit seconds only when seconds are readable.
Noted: 9.18.42
